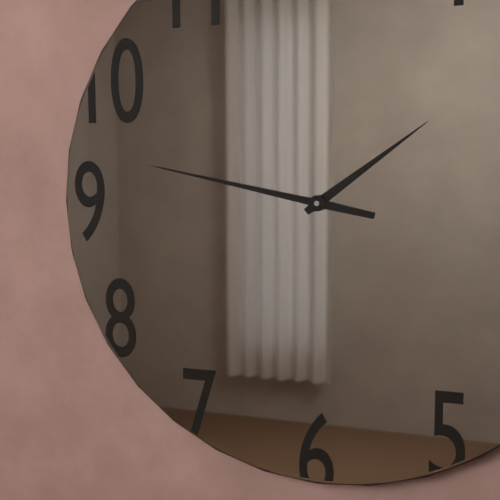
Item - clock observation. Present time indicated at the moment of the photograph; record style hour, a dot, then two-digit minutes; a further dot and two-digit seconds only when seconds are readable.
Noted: 1.47
